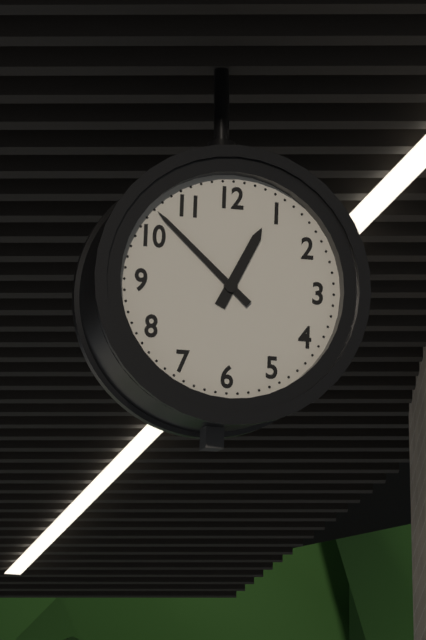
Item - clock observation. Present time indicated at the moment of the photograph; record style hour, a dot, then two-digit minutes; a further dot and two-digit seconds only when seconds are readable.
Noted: 12.52
